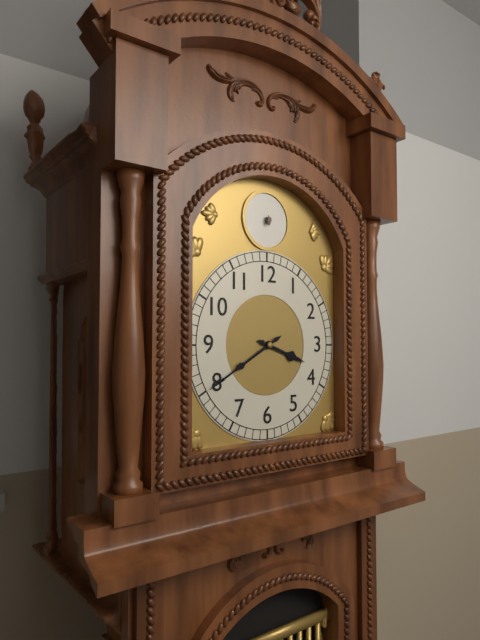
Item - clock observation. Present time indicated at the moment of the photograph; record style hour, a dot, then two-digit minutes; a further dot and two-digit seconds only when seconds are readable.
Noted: 3.40
